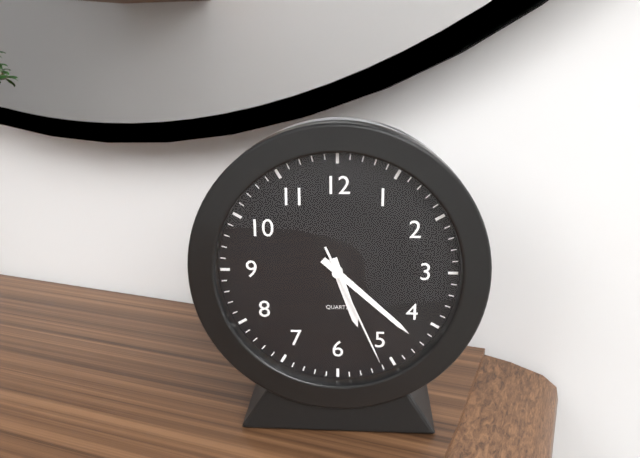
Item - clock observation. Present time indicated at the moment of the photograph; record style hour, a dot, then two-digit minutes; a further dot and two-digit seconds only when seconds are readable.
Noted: 5.22.26
